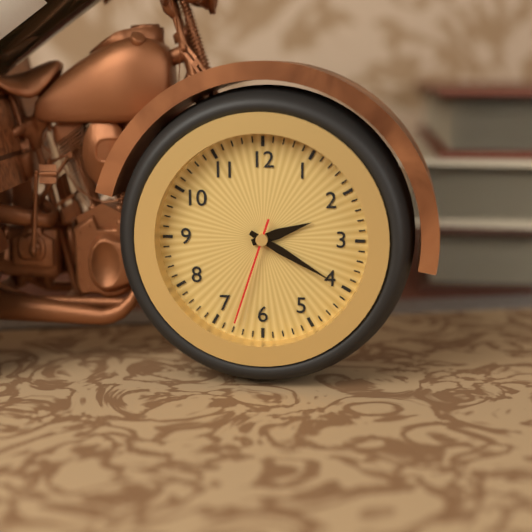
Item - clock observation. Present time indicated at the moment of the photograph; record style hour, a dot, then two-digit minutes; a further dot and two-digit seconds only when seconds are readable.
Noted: 2.20.33
